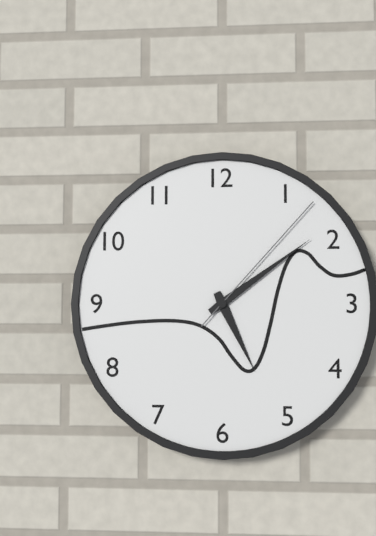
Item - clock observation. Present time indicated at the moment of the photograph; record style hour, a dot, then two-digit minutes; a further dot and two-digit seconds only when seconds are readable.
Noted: 5.09.07
